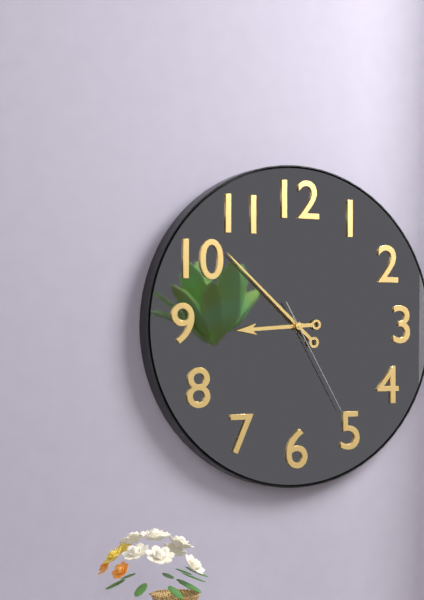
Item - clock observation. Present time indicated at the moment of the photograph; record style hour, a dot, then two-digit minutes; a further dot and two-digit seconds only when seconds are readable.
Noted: 8.52.25
